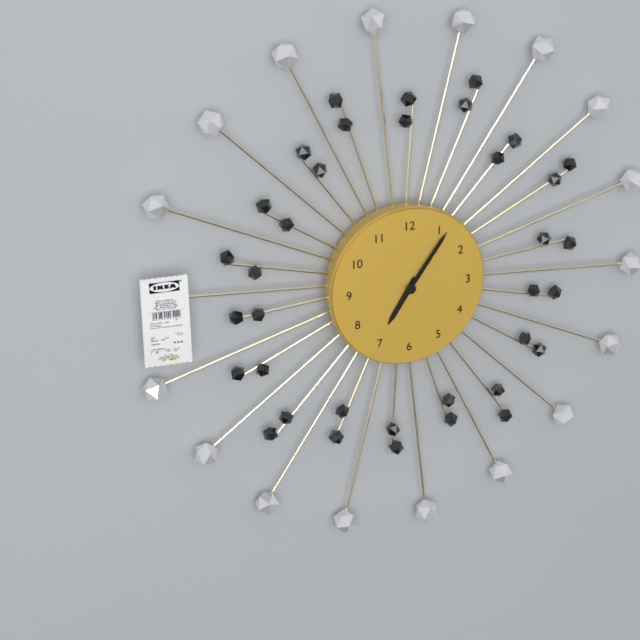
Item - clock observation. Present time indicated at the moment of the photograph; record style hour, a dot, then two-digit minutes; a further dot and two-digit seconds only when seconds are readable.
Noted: 7.06
